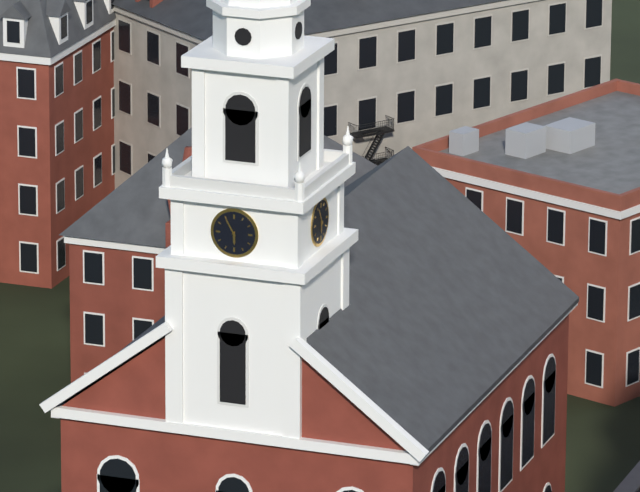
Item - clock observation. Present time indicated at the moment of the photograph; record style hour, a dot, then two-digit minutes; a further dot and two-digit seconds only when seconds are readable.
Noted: 5.55
